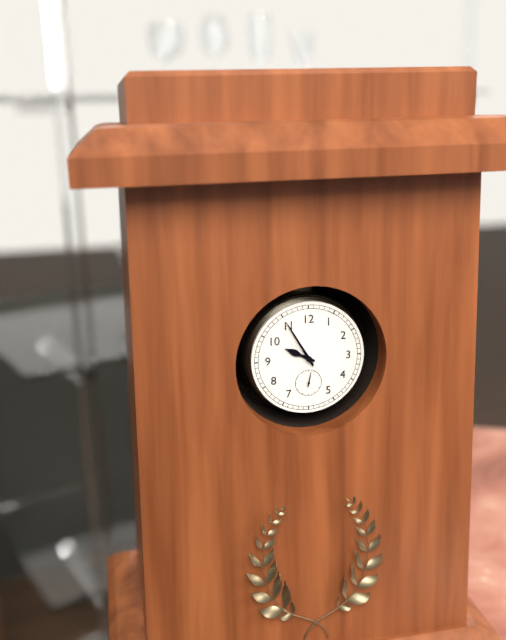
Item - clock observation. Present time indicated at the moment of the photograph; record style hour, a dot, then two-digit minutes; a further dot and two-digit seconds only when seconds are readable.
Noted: 9.55
